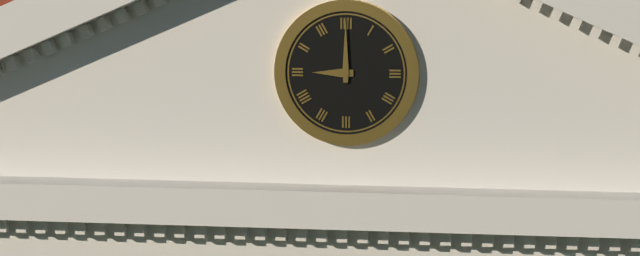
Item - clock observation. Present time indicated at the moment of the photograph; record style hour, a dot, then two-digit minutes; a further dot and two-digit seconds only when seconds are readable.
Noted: 9.00
